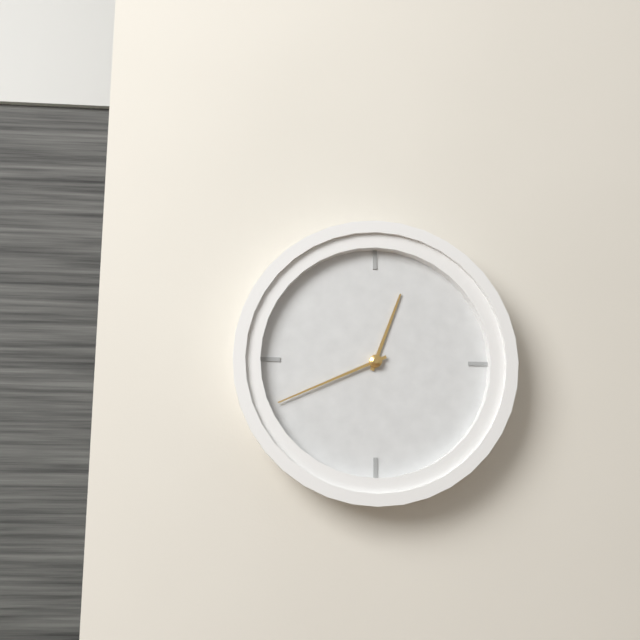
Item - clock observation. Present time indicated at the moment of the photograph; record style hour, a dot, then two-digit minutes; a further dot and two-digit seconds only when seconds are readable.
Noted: 12.41
